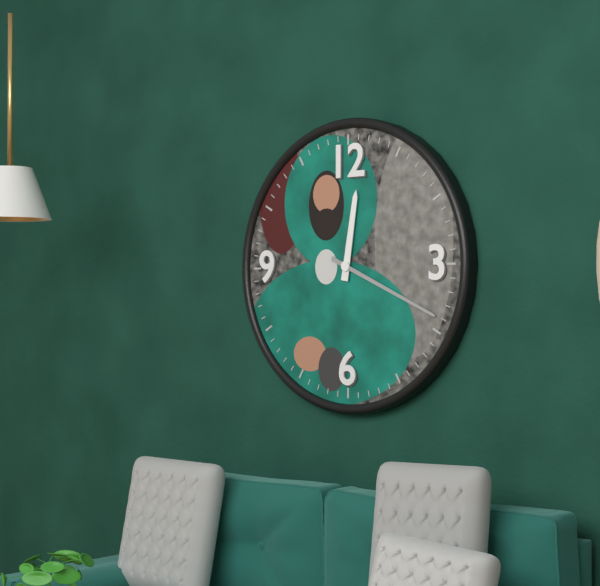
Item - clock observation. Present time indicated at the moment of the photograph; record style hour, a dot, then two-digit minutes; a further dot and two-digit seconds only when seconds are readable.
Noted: 12.19
